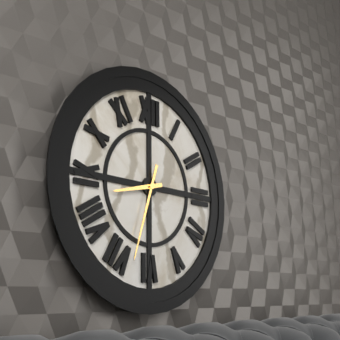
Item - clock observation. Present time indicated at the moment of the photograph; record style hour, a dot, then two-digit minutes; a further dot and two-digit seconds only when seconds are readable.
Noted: 8.33
